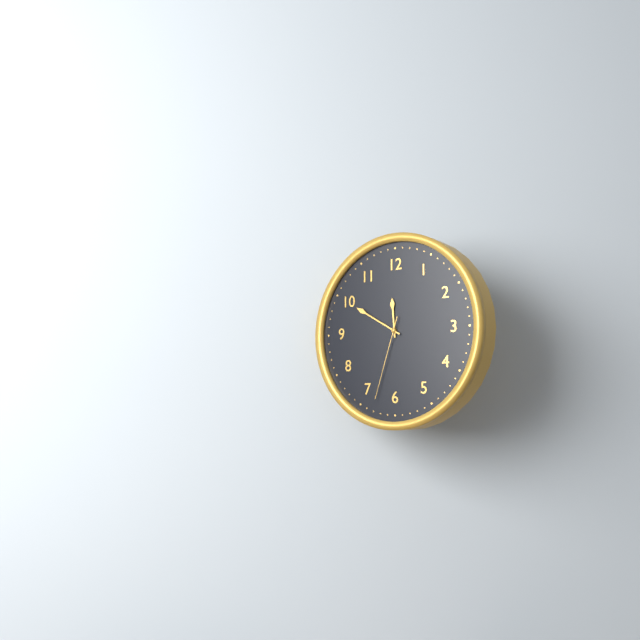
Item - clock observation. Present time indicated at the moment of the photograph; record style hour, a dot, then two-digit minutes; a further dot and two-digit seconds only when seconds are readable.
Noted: 11.50.33
